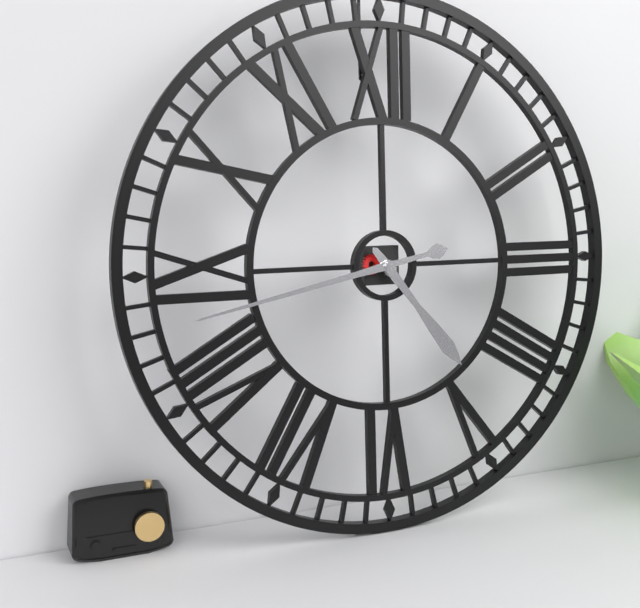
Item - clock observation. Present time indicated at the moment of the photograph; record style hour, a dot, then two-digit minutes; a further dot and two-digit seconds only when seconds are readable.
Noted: 4.43
